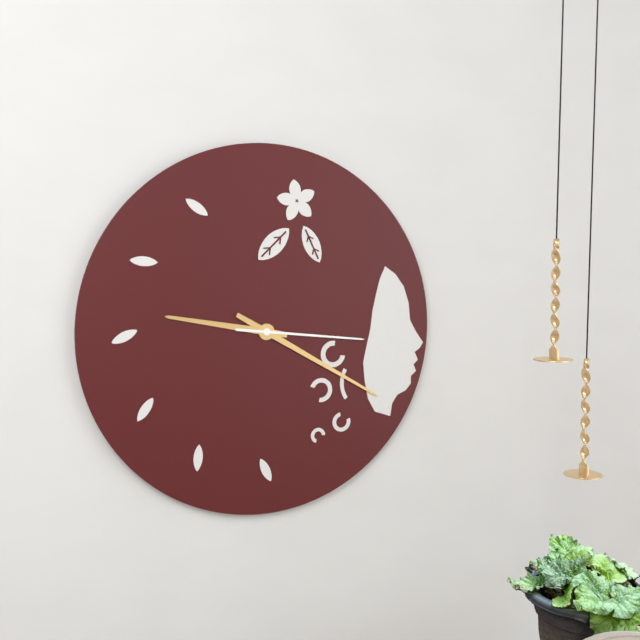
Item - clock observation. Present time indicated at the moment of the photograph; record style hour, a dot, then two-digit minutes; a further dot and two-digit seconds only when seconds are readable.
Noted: 9.20.16
